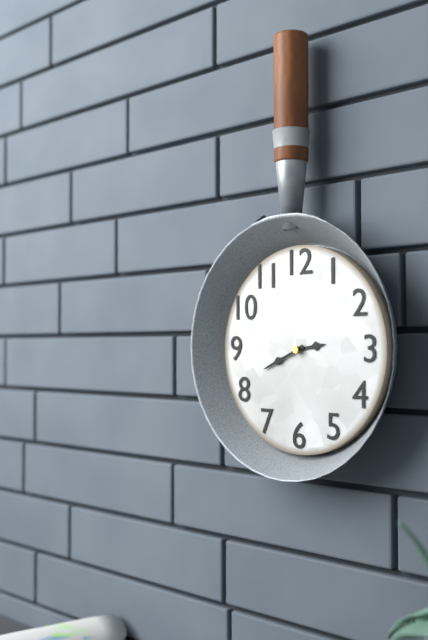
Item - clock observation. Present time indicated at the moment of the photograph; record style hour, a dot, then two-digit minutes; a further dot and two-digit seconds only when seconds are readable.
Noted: 2.41
